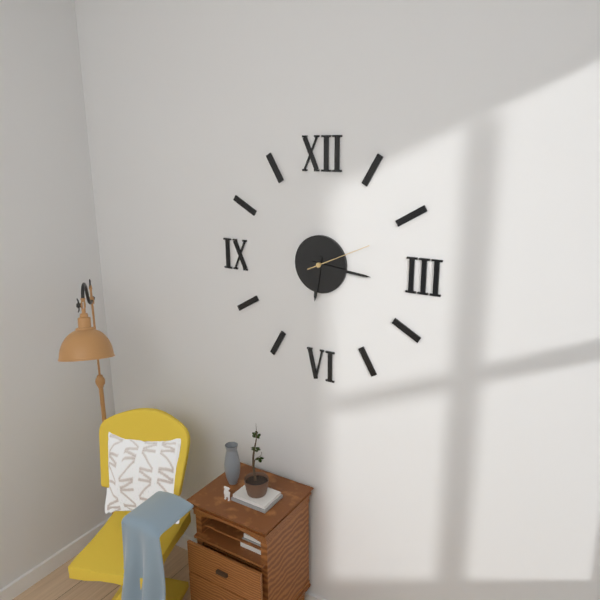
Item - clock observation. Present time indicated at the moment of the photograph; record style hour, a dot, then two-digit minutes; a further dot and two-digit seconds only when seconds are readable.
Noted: 6.16.11
